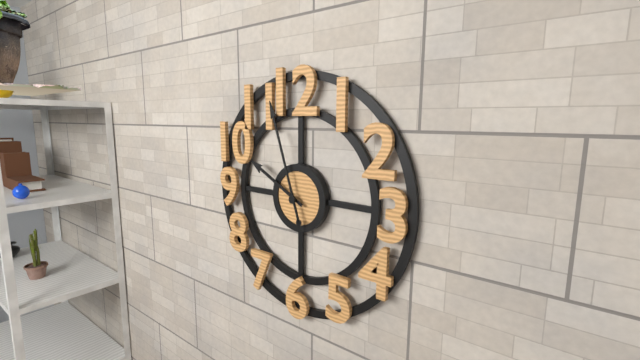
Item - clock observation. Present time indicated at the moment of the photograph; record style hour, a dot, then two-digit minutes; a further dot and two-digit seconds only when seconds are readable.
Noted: 9.57
